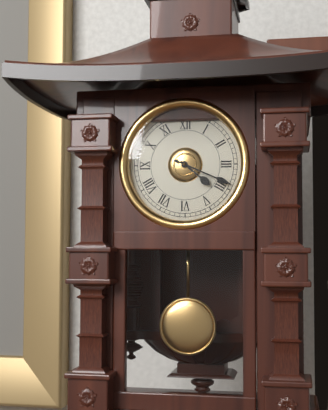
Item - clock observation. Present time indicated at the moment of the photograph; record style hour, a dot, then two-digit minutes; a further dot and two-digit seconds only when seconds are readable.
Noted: 4.19
